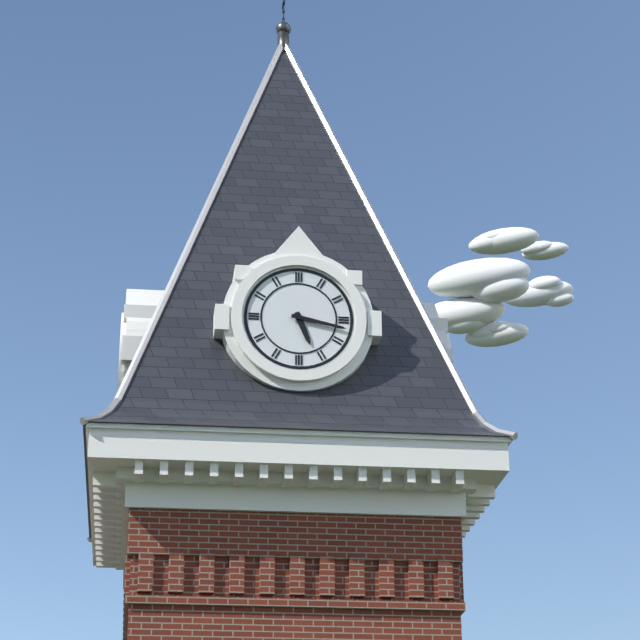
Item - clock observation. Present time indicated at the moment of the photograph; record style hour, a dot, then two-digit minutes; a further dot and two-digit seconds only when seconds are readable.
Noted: 5.17
